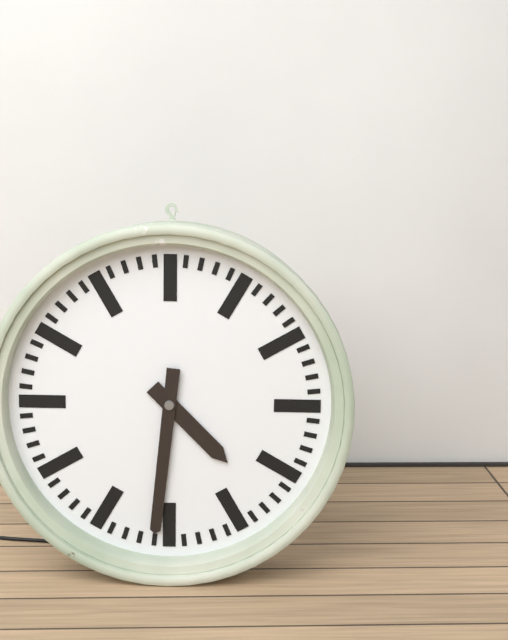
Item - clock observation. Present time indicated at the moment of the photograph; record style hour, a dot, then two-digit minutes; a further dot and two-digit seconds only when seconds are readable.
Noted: 4.31
